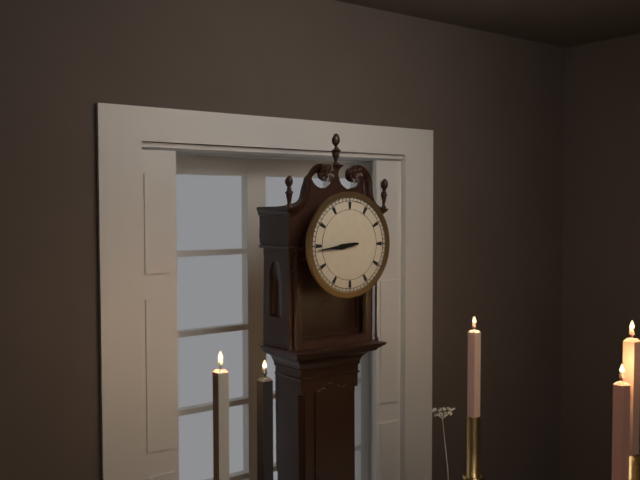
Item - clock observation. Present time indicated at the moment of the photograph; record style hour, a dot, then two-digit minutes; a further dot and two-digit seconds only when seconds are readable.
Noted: 8.44
